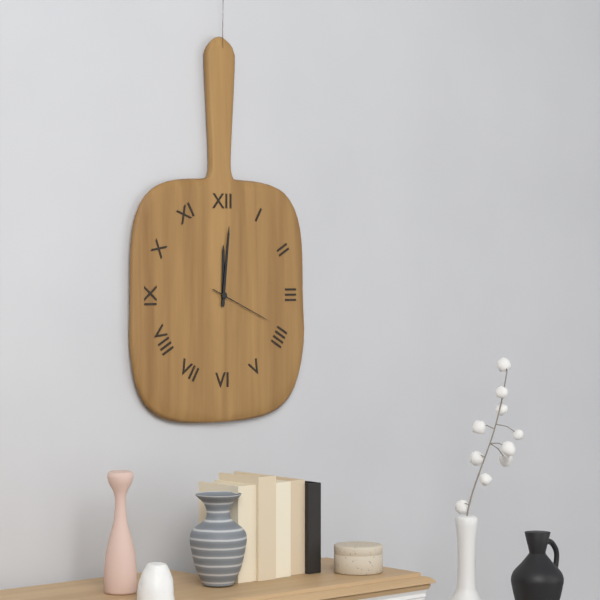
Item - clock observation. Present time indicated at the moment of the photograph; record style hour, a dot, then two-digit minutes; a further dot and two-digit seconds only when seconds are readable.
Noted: 12.01.19
